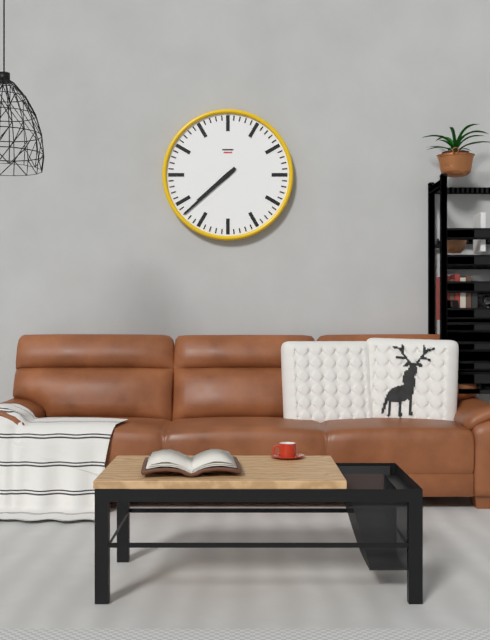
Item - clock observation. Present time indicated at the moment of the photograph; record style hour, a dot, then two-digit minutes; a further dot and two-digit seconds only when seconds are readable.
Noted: 7.38
